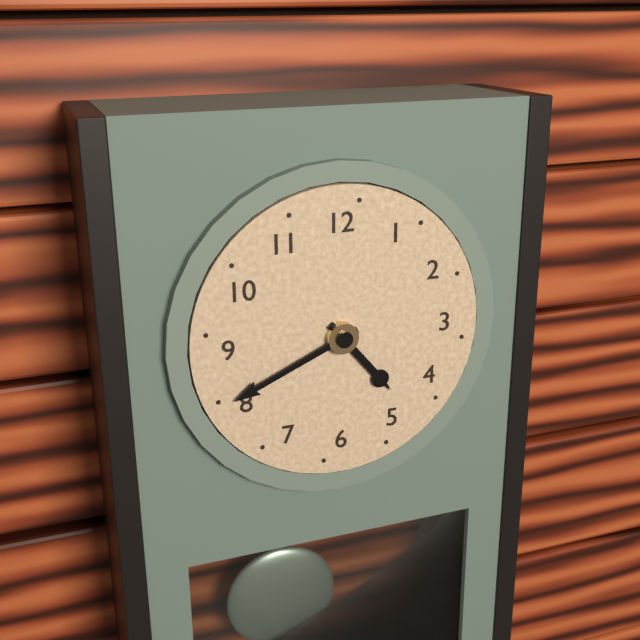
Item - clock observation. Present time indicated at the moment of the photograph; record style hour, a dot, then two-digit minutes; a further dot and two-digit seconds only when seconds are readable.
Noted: 4.41
